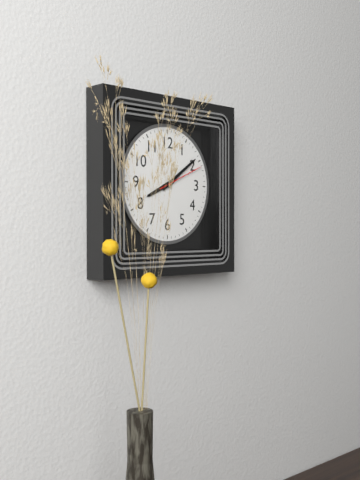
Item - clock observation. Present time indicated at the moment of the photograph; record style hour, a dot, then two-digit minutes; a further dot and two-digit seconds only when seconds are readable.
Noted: 8.09.11
